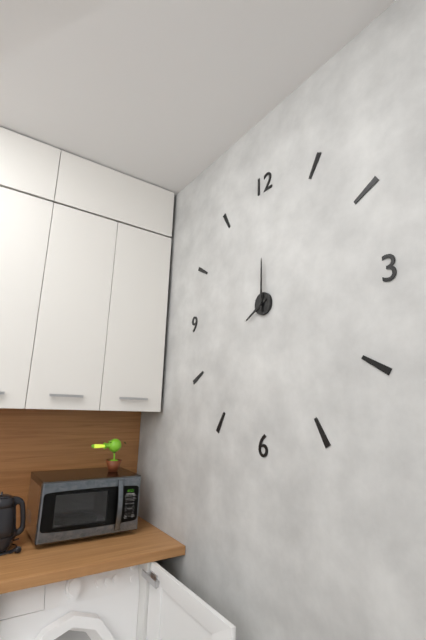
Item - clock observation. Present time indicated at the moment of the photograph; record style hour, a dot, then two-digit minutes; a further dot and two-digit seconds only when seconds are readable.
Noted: 8.00
